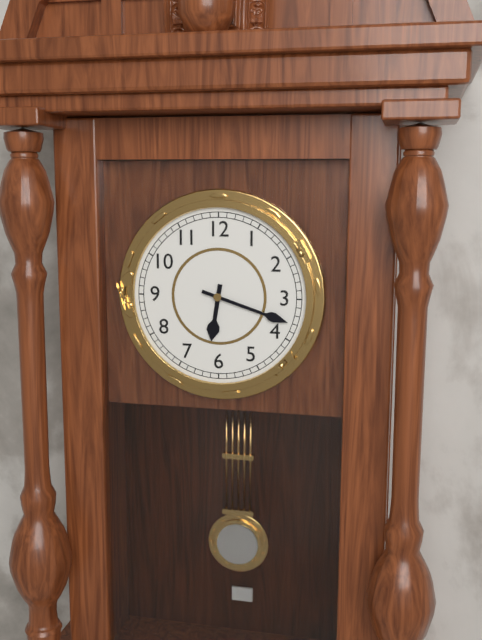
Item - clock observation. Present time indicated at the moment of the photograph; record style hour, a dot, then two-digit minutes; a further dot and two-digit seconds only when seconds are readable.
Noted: 6.18
